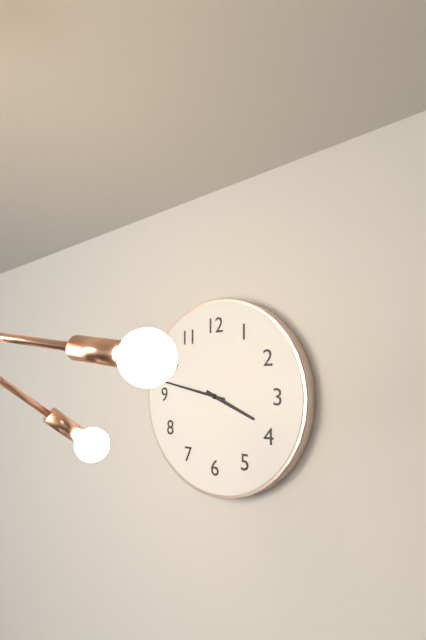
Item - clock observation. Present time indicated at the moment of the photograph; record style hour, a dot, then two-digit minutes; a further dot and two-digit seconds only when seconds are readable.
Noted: 3.47
